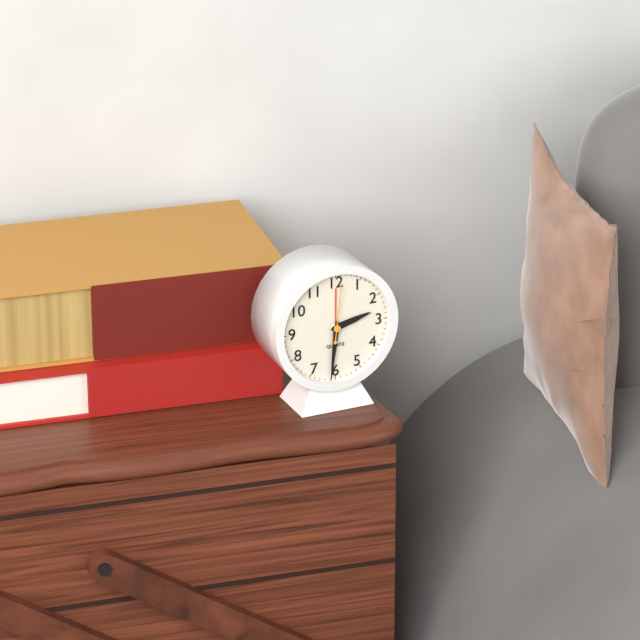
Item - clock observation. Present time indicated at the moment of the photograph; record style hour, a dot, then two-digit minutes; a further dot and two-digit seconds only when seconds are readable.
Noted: 2.31.01
